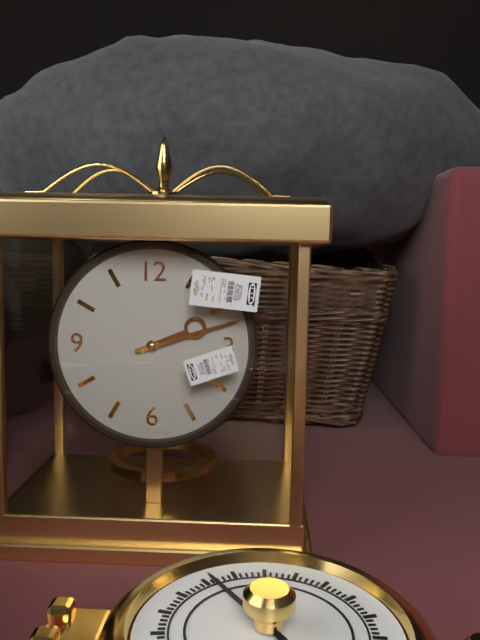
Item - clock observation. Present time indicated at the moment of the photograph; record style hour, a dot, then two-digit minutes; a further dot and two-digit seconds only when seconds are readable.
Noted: 2.12
